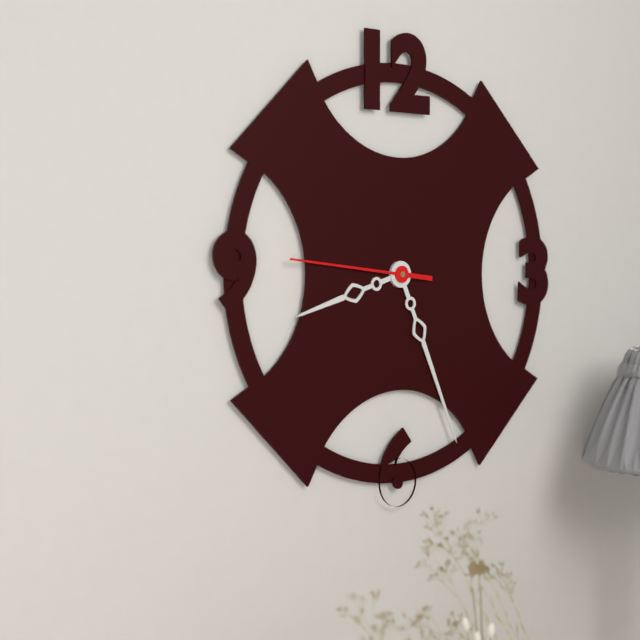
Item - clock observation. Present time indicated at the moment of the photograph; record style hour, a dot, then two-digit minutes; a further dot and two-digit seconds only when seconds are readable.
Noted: 8.26.46
